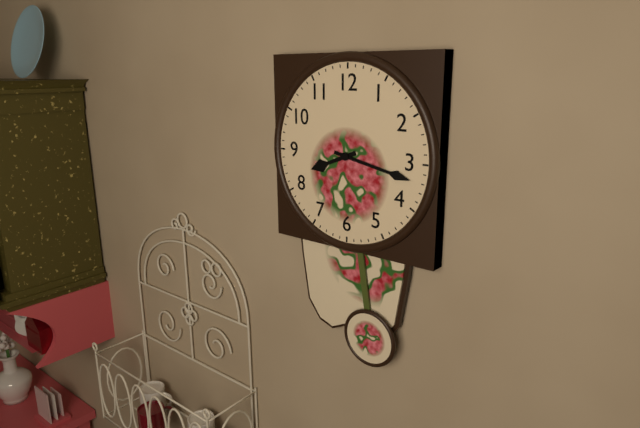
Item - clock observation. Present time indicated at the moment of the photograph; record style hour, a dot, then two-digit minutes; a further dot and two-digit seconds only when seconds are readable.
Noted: 8.17
